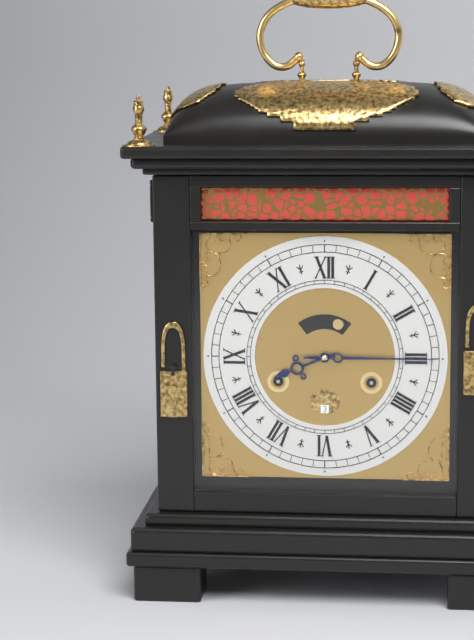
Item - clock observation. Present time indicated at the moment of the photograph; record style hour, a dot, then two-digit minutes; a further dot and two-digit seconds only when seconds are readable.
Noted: 8.15
